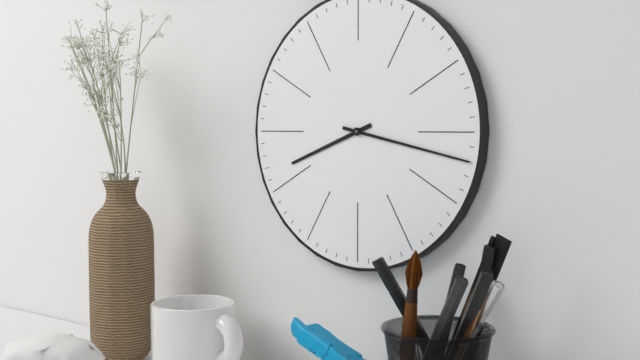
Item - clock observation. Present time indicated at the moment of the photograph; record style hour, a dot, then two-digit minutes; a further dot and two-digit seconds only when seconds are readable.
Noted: 8.17
